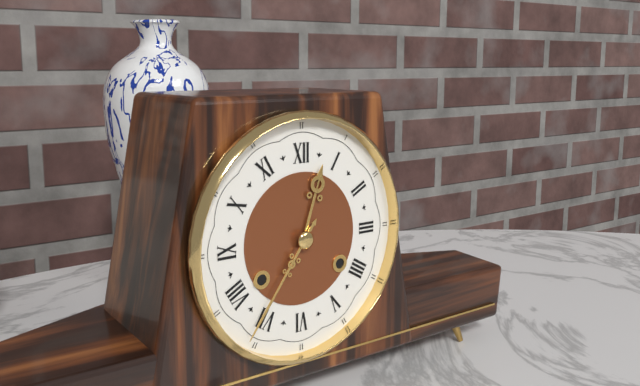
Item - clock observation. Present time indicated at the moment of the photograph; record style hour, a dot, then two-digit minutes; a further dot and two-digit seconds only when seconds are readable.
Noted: 12.36
